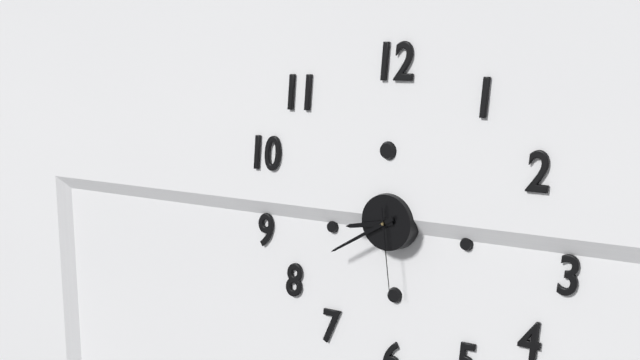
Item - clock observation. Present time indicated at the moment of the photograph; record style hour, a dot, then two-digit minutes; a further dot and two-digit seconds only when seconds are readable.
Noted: 8.40.29
